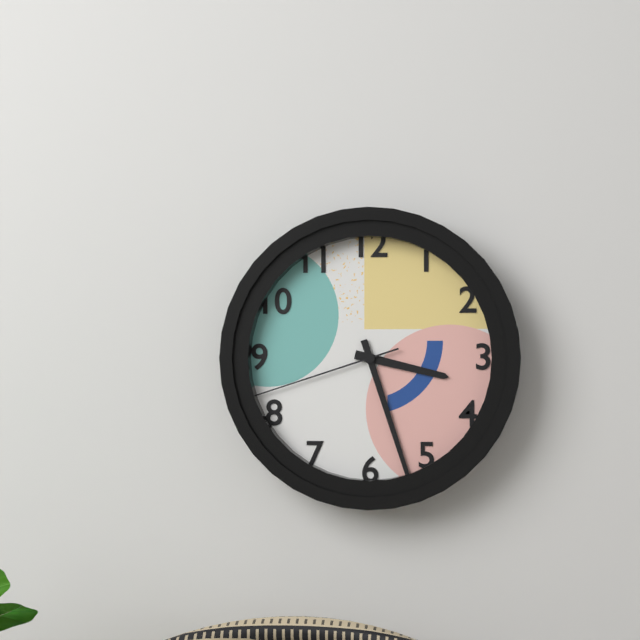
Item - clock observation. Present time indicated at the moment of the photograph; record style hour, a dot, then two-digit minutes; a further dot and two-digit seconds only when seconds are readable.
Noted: 3.27.42
